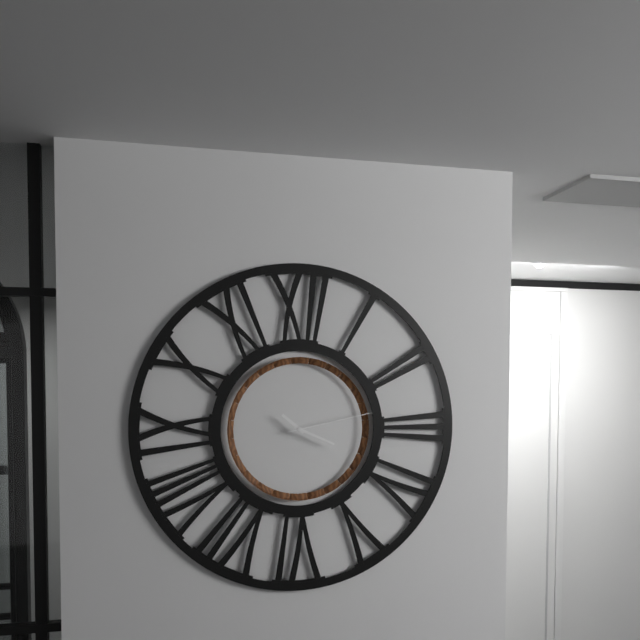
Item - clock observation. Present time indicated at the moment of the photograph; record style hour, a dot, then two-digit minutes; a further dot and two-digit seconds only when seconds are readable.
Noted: 10.19.13
